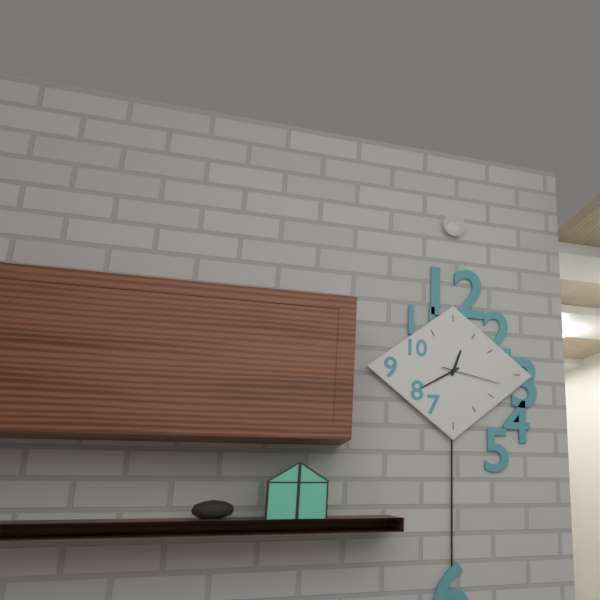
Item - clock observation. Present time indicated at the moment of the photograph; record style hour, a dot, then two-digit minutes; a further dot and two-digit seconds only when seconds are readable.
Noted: 12.40.17
